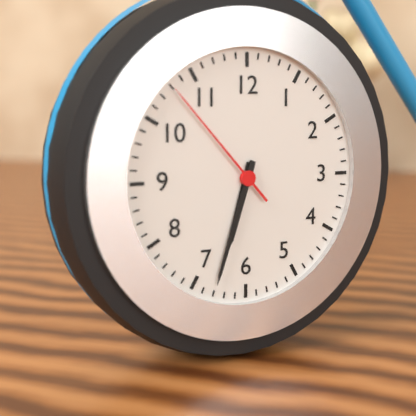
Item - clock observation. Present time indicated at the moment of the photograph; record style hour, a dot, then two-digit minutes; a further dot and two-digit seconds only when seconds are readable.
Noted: 6.33.53
